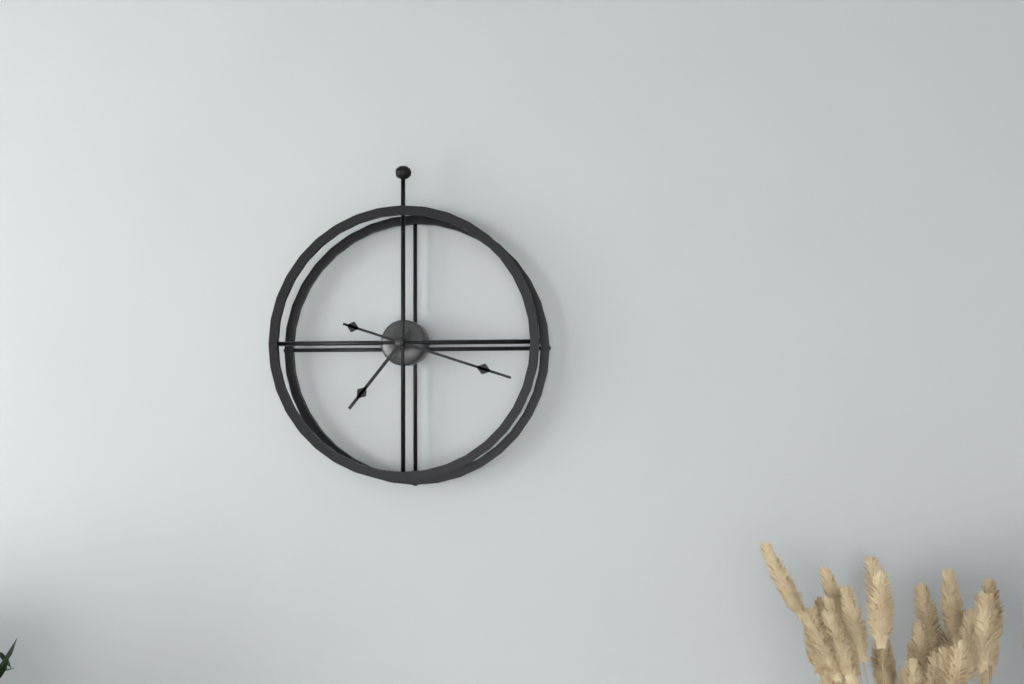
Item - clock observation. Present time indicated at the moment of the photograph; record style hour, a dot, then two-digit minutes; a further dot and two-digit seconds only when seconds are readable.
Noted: 7.18
